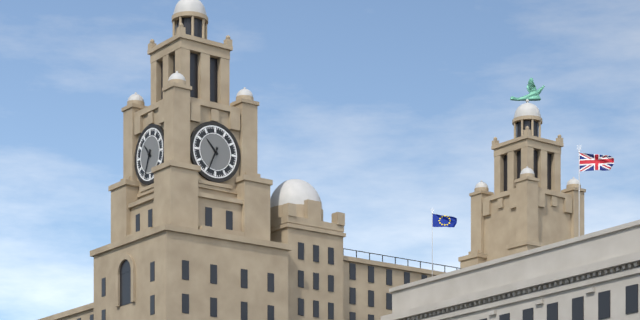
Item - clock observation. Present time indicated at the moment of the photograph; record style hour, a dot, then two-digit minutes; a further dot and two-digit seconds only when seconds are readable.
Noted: 10.34
